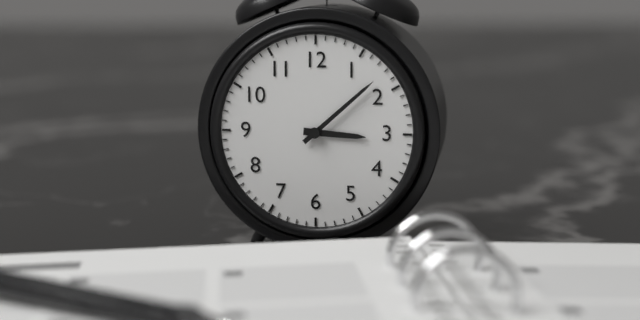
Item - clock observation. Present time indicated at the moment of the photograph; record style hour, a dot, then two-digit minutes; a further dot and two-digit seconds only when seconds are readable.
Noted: 3.08
